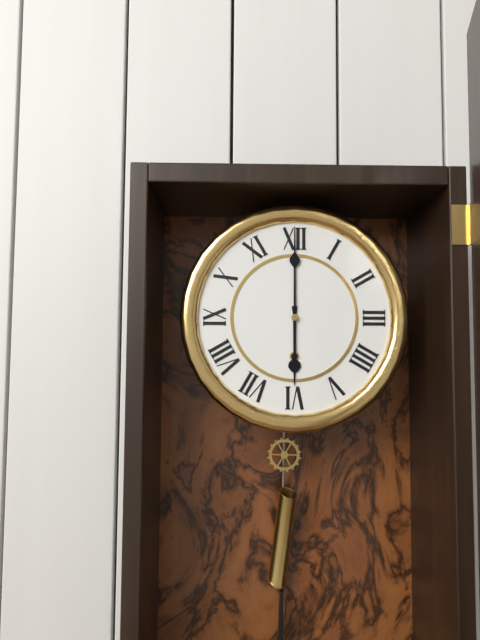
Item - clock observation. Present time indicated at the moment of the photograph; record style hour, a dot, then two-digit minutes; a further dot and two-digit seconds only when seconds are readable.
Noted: 6.00
